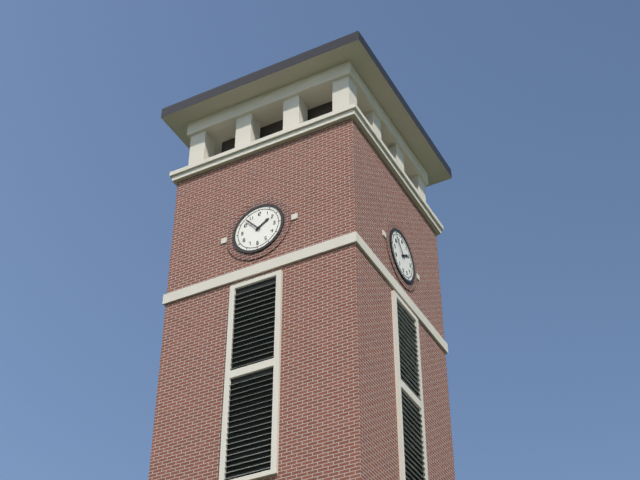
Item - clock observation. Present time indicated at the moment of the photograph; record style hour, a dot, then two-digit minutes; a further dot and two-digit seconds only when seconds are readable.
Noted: 1.53
